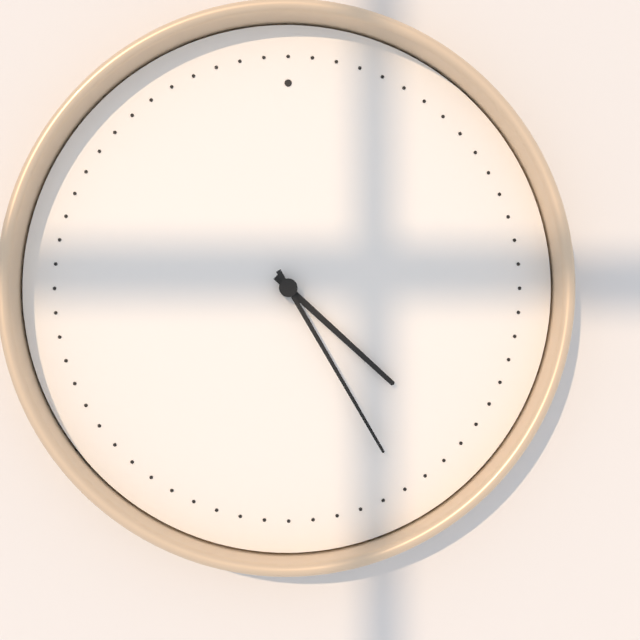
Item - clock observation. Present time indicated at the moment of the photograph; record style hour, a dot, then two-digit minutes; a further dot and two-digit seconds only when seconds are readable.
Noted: 4.25
